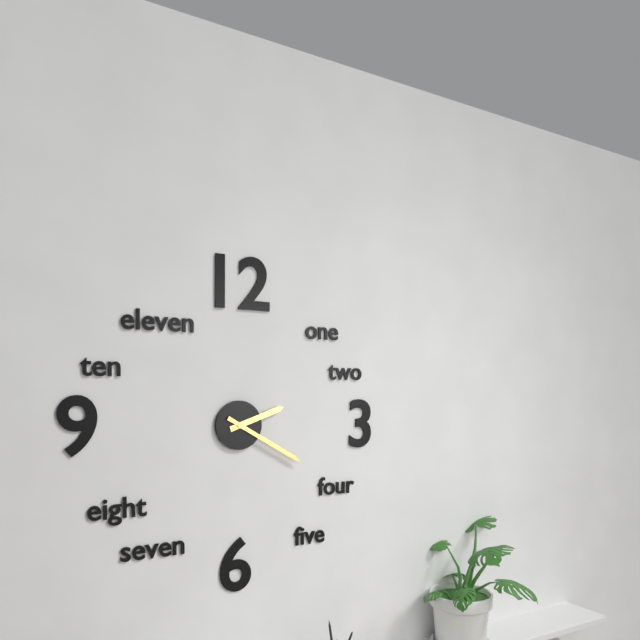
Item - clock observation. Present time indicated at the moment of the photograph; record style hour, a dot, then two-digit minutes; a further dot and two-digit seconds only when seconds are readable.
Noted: 2.20
